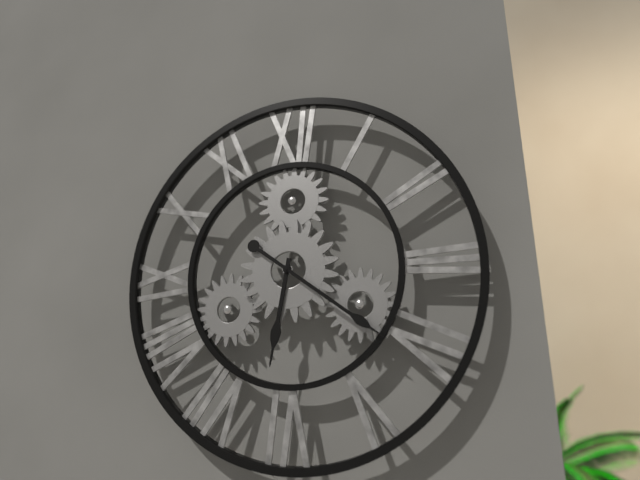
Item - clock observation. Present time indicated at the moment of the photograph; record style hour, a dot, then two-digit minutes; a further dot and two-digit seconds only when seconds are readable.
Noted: 6.21
